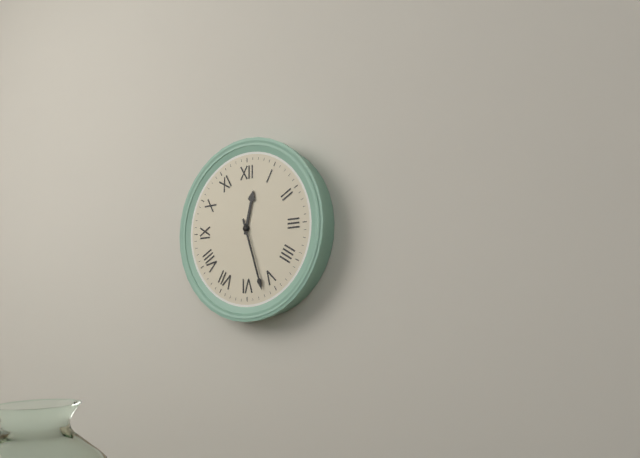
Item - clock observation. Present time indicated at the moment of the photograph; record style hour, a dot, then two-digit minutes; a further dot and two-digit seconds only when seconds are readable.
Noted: 12.27
